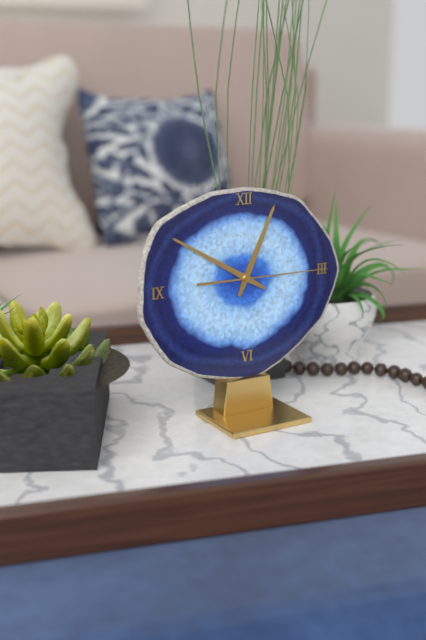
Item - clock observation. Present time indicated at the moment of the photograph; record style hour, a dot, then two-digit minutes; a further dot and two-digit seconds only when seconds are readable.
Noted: 12.50.15
